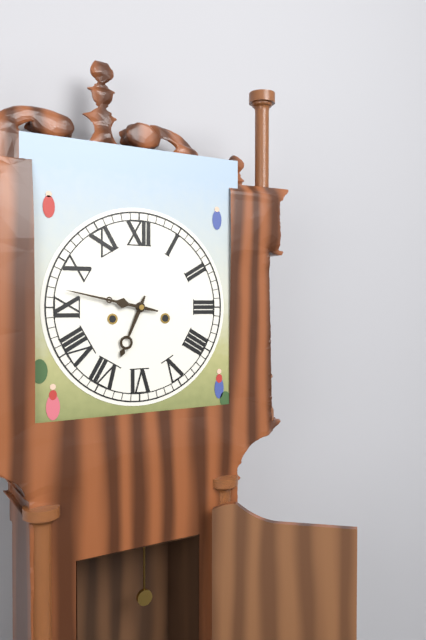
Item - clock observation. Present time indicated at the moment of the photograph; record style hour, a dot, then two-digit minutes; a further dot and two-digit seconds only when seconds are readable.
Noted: 6.47
